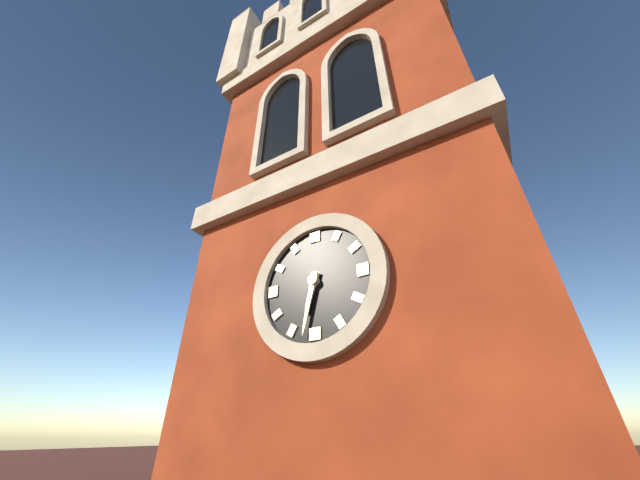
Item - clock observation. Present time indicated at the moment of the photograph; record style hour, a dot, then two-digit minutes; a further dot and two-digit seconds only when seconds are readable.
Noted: 6.32
